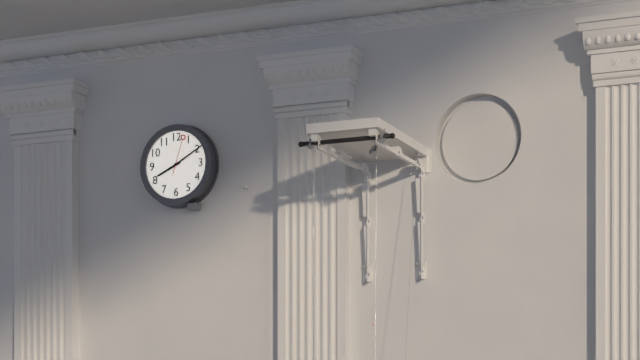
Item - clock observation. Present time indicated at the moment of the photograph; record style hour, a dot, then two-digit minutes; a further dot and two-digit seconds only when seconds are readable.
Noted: 8.10
